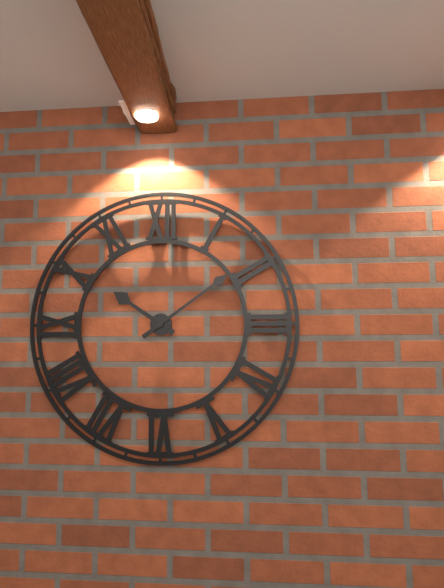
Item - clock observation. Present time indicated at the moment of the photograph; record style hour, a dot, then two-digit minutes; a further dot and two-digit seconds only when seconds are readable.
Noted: 10.09
